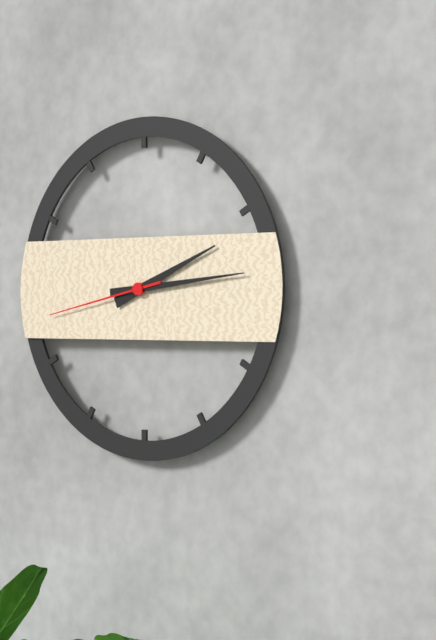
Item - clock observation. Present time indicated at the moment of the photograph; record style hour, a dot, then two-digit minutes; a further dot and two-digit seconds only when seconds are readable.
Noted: 2.14.43
